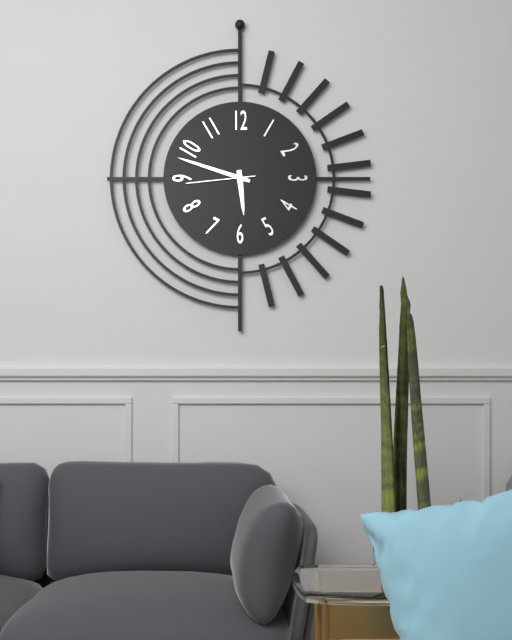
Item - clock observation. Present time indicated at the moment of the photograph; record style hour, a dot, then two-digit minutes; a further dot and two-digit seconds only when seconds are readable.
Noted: 5.48.44
